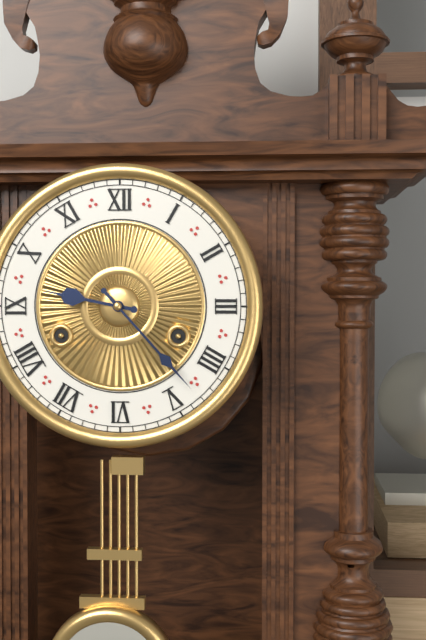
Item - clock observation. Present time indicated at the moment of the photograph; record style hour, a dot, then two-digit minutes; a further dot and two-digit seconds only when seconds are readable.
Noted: 9.23
